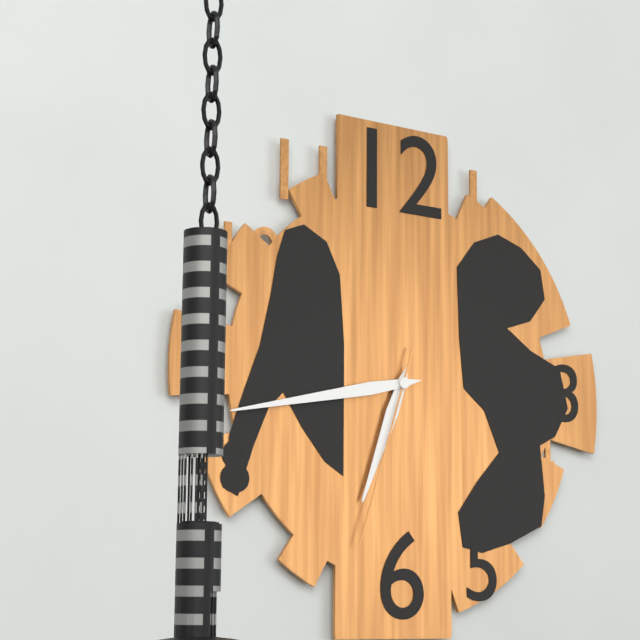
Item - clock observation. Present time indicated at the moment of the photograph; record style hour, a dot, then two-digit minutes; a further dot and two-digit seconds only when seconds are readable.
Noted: 6.43.33
